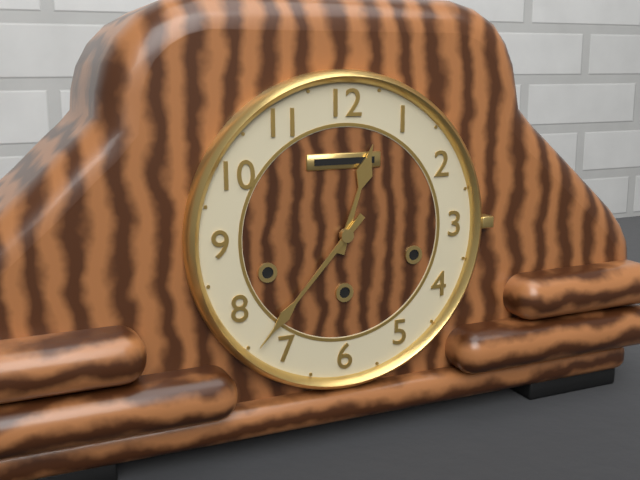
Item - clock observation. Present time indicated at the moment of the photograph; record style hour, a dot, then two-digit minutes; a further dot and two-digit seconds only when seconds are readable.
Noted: 12.37
